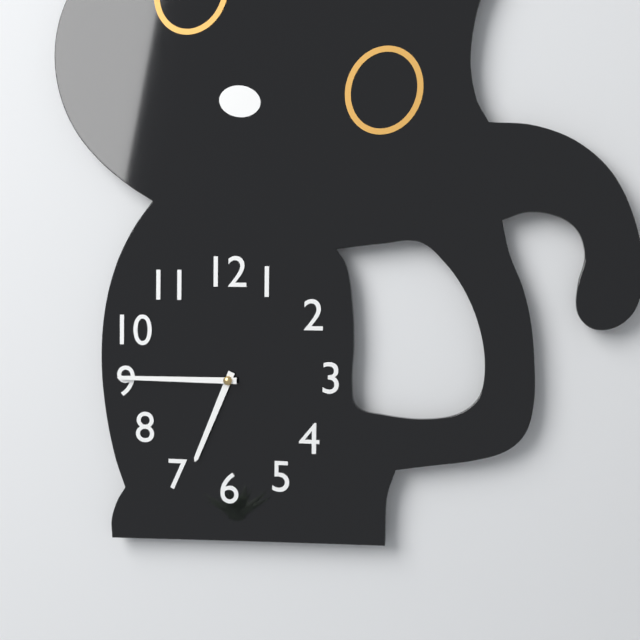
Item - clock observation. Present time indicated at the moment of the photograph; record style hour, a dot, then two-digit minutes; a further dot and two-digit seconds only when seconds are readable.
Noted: 6.45
